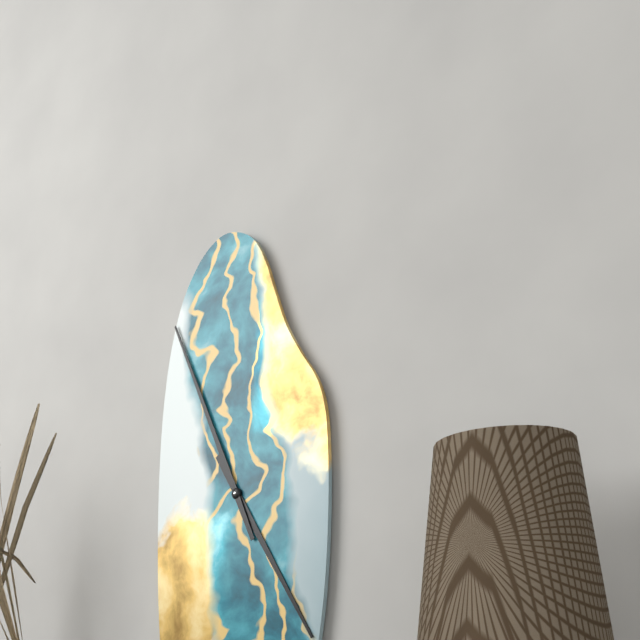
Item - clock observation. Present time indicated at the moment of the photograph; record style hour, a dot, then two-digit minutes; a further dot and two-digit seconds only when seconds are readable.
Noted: 4.56
